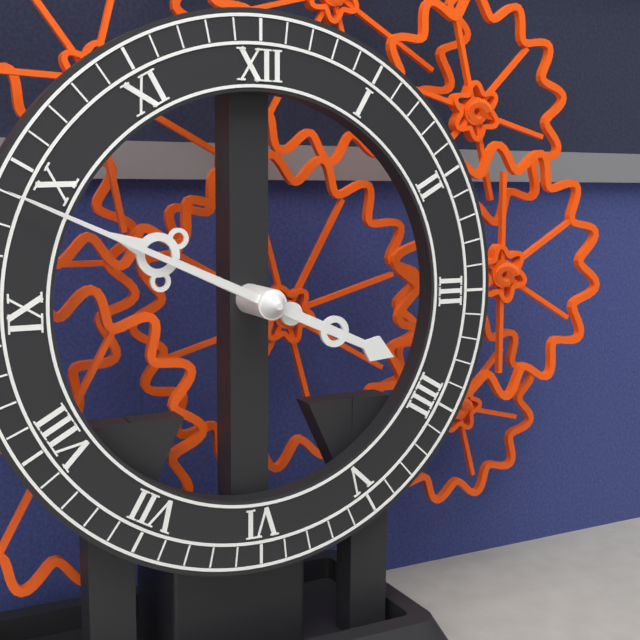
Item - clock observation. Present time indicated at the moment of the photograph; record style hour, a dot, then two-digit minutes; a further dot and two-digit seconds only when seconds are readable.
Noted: 9.49
